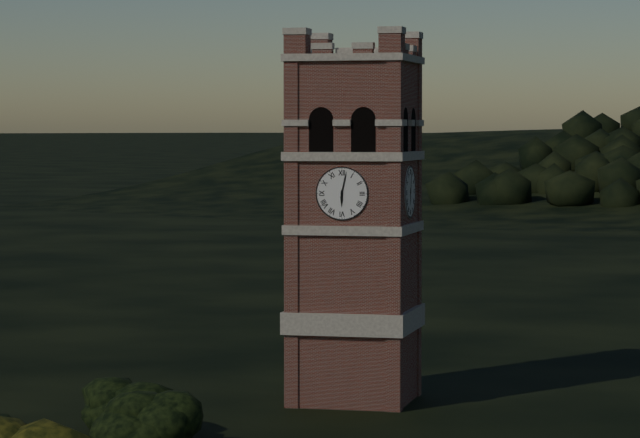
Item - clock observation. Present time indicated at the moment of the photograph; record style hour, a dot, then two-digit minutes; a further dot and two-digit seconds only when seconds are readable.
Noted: 6.02
